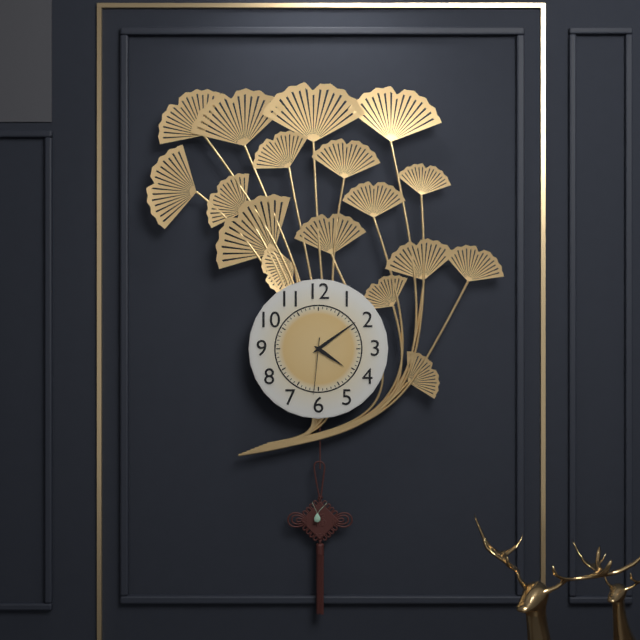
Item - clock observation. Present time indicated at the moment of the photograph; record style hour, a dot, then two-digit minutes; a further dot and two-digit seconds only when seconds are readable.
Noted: 4.09.31
